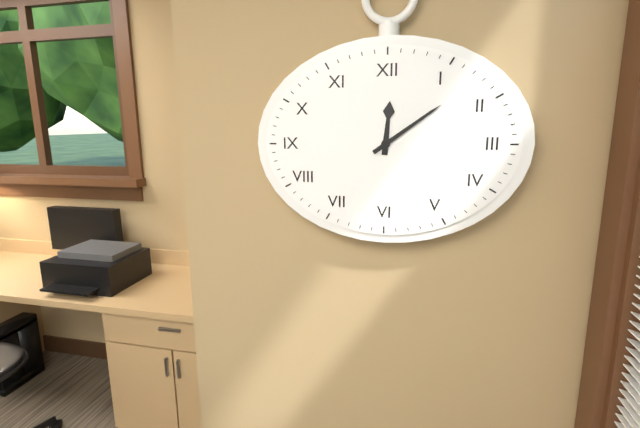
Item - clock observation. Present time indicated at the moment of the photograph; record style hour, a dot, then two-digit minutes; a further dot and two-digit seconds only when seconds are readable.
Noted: 12.09
